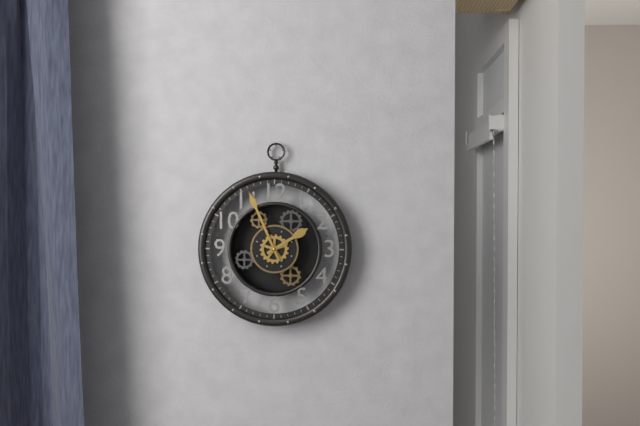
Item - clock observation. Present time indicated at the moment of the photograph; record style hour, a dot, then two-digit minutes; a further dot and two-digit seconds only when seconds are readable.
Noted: 1.56
